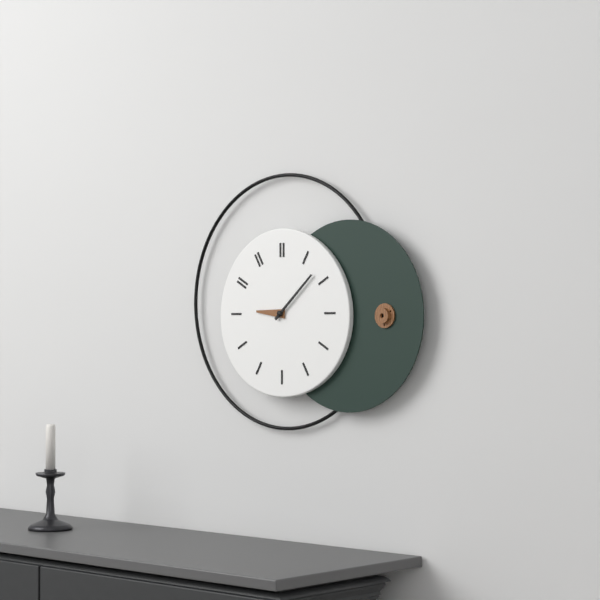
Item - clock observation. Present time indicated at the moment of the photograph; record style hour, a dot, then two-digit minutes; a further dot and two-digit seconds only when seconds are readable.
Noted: 9.08
